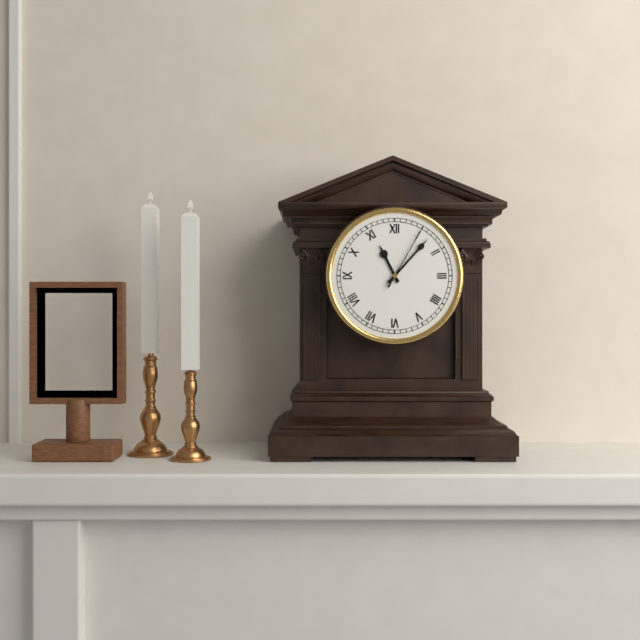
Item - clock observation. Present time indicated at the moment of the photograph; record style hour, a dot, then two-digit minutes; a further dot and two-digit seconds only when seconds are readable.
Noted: 11.07.05
